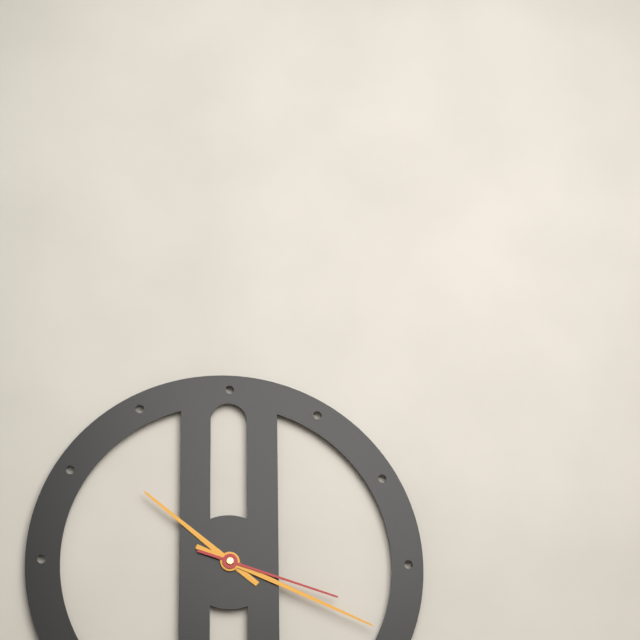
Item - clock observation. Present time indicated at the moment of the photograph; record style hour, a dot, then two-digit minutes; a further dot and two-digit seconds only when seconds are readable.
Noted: 10.19.18
